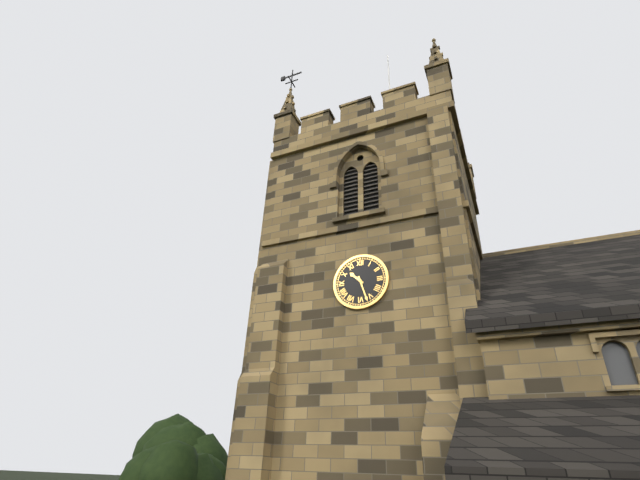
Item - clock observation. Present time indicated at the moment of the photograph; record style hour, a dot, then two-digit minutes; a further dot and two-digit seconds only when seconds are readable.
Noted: 10.27
